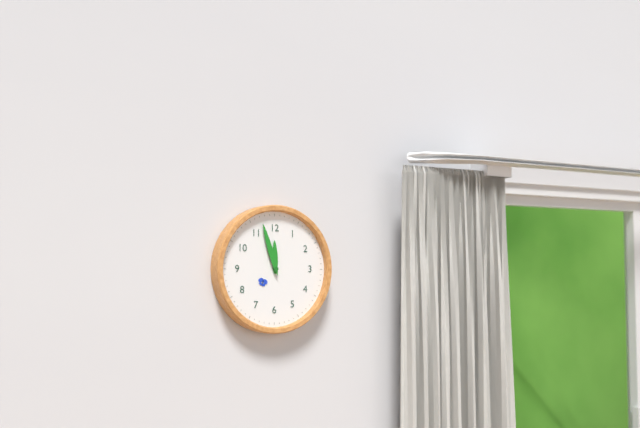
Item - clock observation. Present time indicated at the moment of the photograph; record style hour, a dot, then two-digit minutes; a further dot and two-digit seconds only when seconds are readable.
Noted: 11.57
